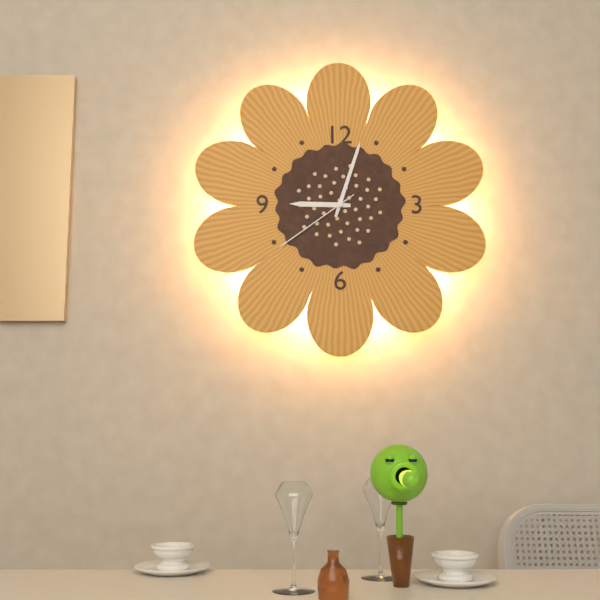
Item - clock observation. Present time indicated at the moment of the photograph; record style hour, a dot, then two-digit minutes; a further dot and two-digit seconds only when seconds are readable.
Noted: 9.03.39
